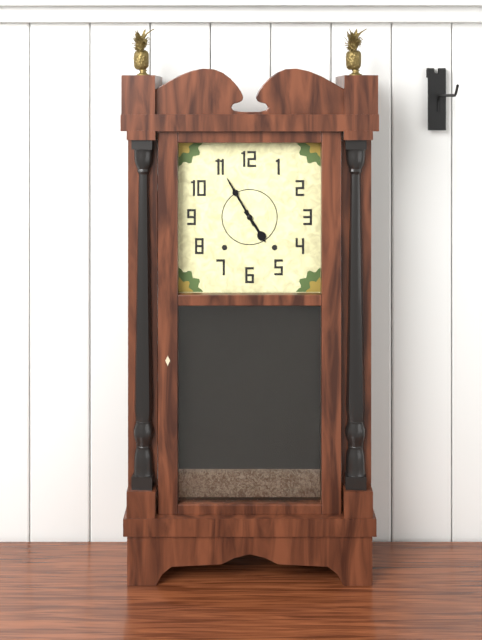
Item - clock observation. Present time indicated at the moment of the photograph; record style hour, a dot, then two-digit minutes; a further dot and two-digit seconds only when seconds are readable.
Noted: 4.55
